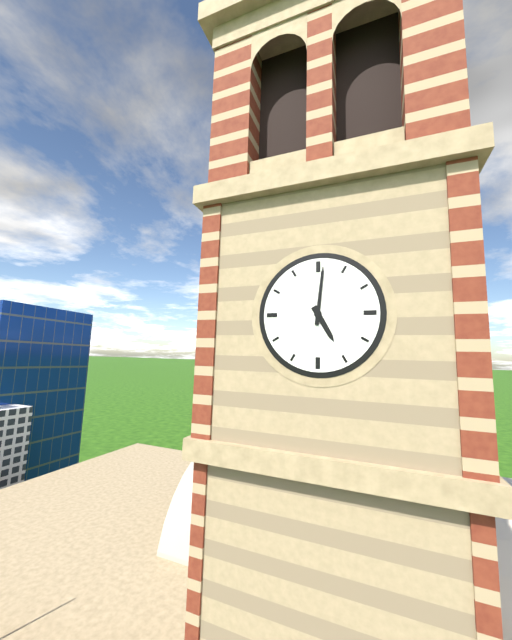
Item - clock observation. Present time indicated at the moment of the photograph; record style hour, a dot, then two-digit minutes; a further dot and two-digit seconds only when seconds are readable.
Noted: 5.01
